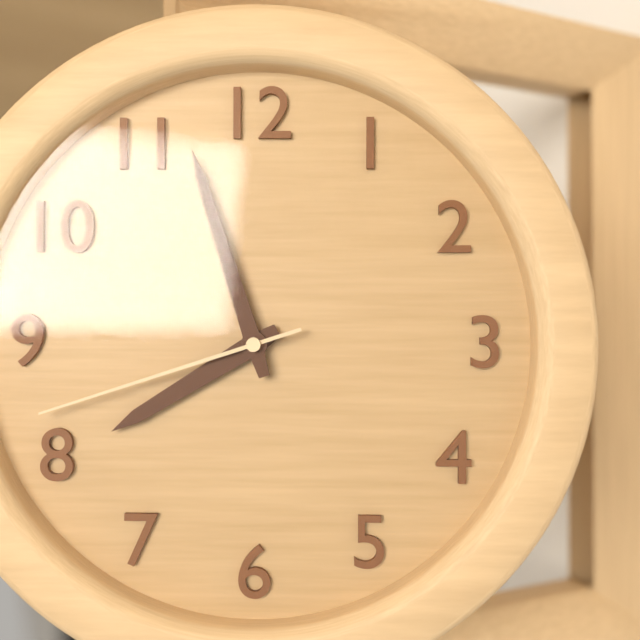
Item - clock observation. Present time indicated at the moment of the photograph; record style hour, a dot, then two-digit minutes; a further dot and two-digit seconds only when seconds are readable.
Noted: 7.57.42
